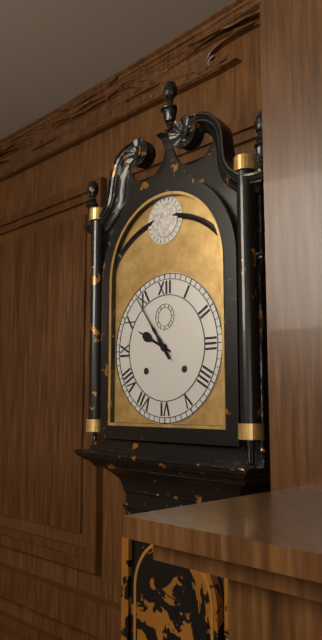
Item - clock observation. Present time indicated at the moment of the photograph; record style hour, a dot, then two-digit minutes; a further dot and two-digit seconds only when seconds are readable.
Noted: 9.54
